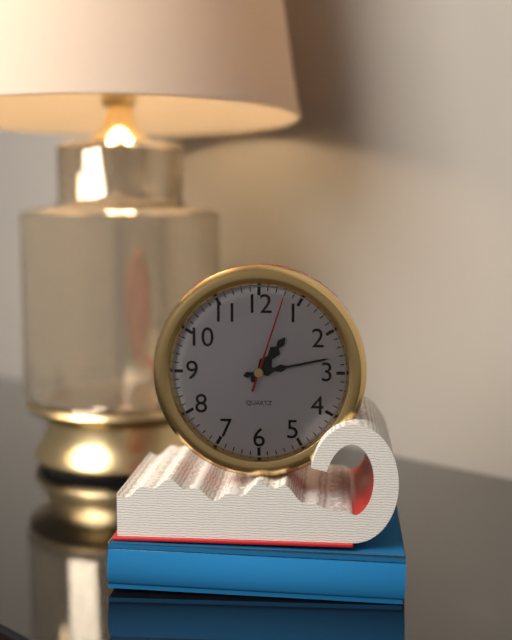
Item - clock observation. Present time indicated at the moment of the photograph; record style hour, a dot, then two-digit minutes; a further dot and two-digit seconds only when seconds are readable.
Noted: 1.13.03
